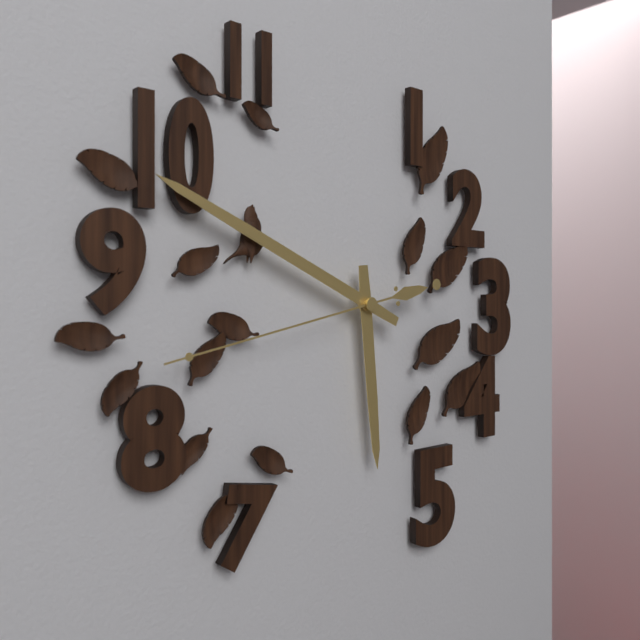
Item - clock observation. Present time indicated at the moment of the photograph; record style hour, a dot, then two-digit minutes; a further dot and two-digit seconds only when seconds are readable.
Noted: 5.49.43
